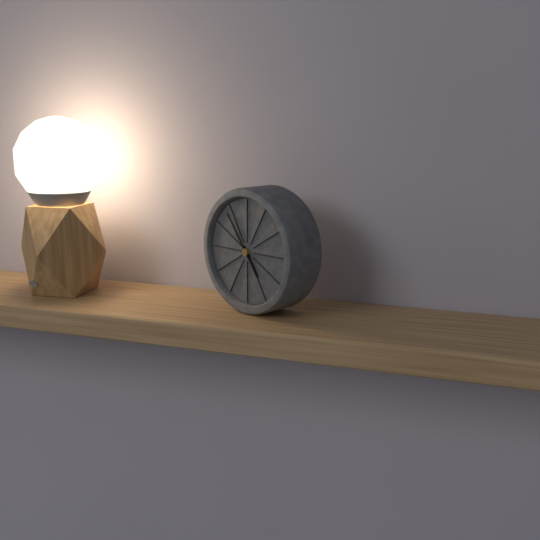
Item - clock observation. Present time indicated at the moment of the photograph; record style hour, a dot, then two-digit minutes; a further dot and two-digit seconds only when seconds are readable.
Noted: 4.54
